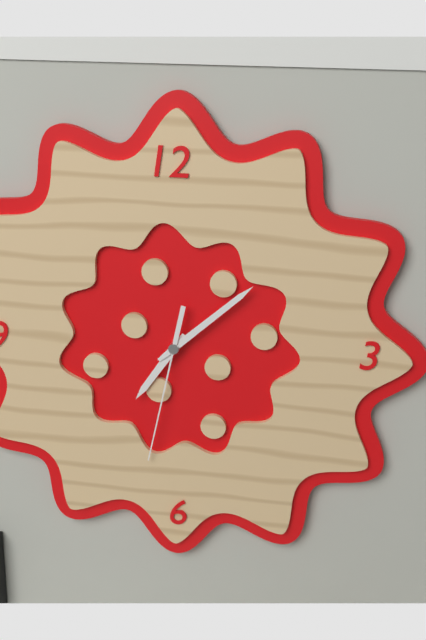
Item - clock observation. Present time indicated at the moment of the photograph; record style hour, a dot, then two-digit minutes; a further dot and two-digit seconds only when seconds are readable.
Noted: 7.08.32
